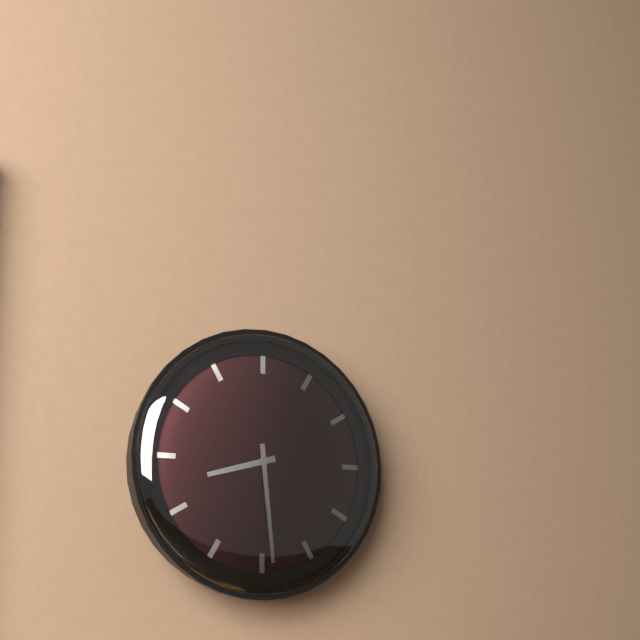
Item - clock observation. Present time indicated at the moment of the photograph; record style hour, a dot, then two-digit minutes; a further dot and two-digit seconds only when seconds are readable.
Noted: 8.29
